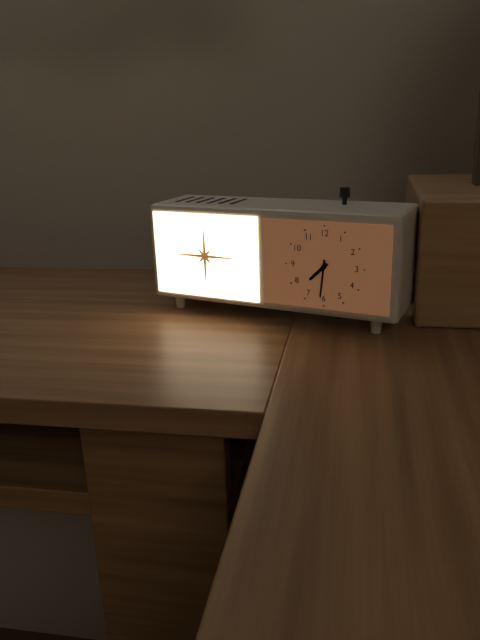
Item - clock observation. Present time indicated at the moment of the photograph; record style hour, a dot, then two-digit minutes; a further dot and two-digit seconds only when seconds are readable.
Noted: 7.31
